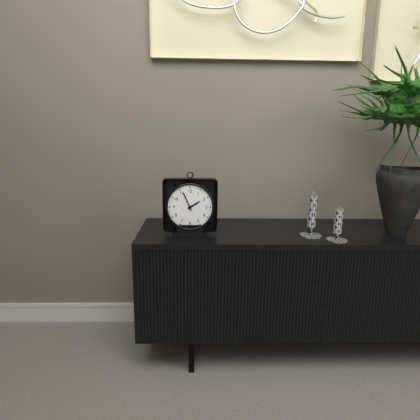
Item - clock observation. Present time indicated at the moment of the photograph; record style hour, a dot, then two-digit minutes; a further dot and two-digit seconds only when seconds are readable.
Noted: 1.56
